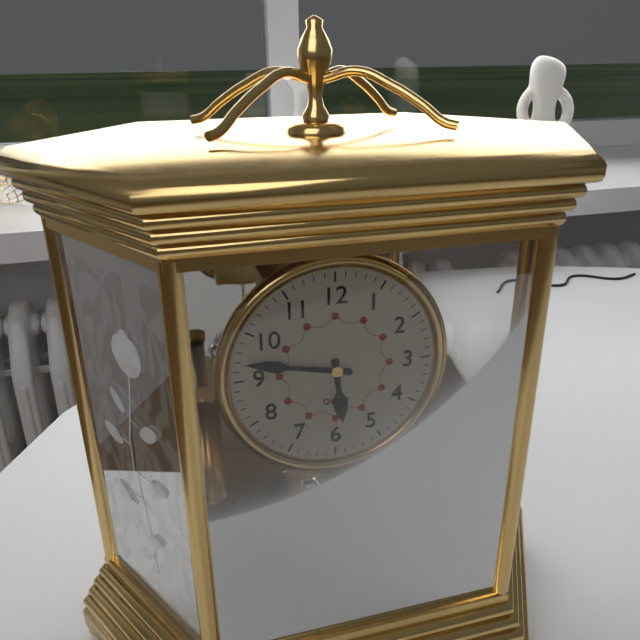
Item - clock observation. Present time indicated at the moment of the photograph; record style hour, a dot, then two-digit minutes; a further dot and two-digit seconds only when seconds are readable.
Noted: 5.47
